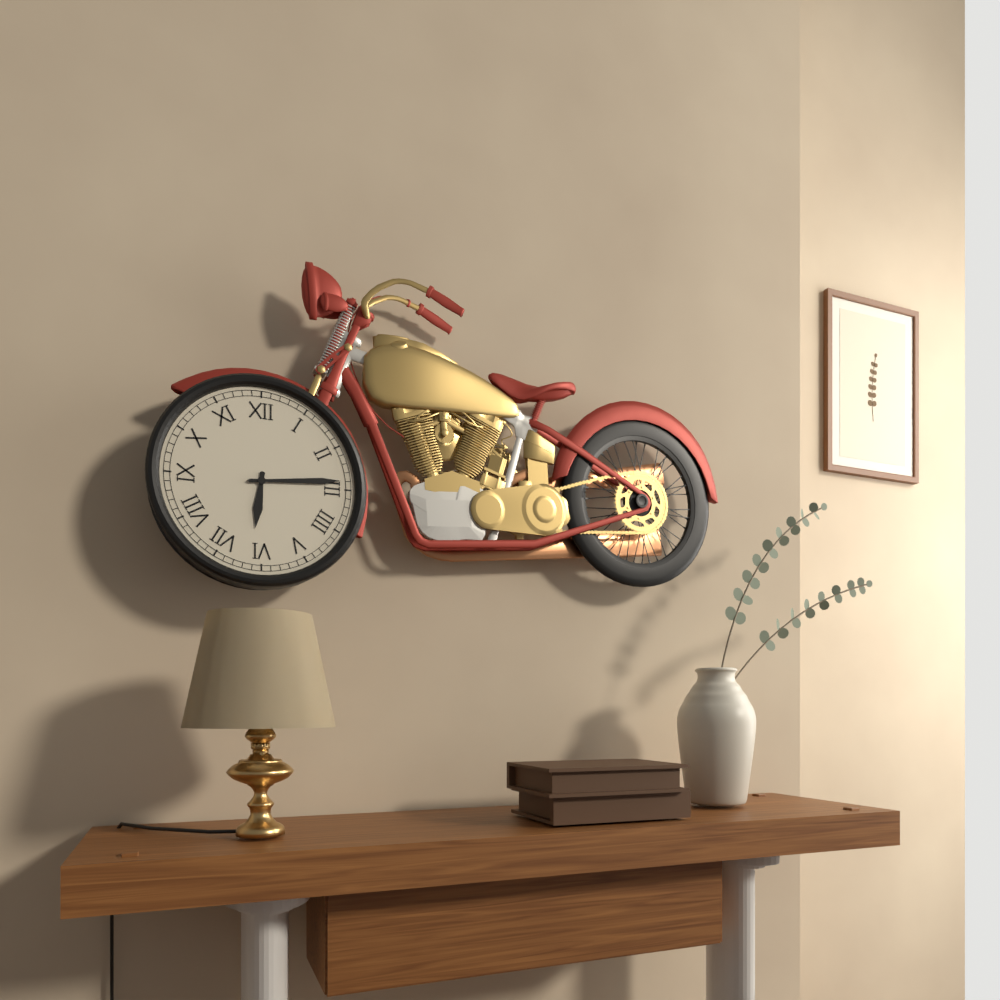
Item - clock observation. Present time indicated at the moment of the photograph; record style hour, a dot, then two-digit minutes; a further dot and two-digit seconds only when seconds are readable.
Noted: 6.14
